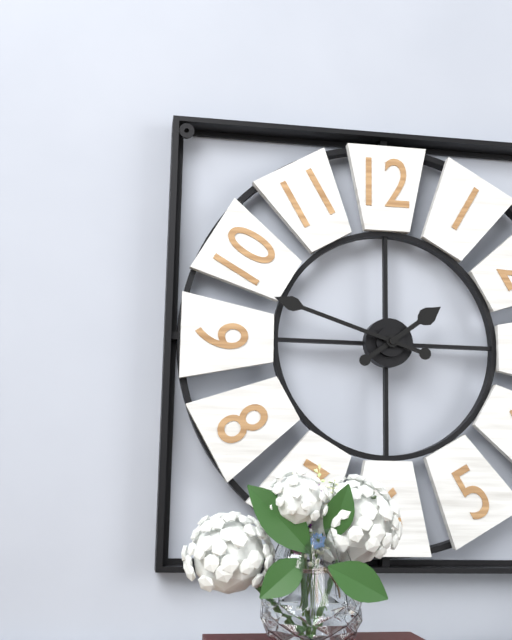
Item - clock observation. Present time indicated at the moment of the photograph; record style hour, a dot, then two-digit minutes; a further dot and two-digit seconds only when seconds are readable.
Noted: 1.48
